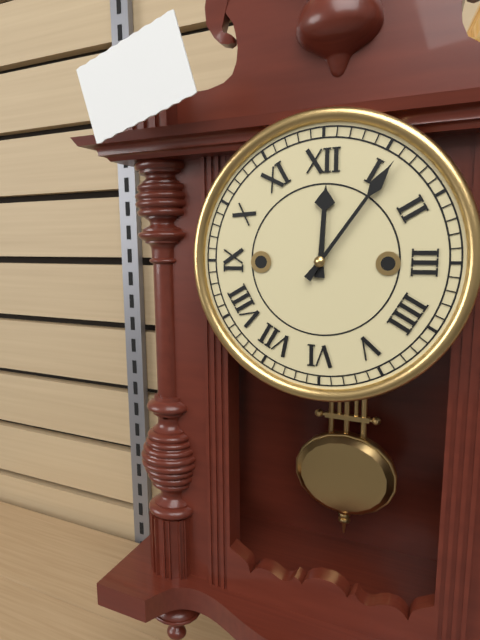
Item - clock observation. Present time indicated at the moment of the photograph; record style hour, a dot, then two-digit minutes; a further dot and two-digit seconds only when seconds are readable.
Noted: 12.06
